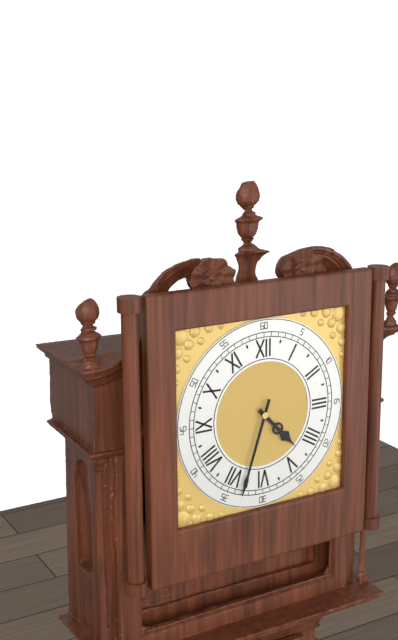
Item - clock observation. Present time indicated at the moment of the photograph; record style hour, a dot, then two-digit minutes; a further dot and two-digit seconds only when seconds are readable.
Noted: 4.33
